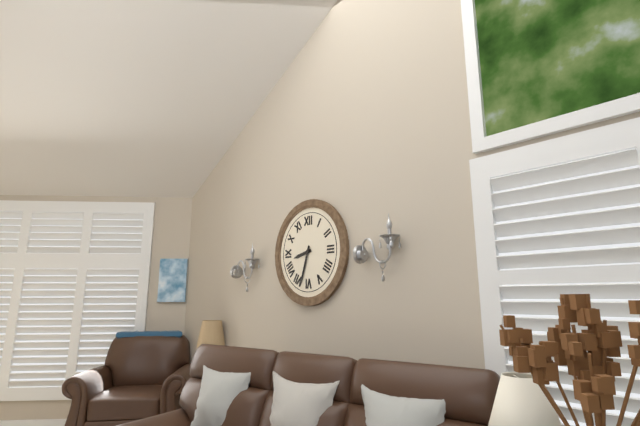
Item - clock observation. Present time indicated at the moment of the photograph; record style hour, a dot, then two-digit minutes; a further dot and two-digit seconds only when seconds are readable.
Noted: 8.33
